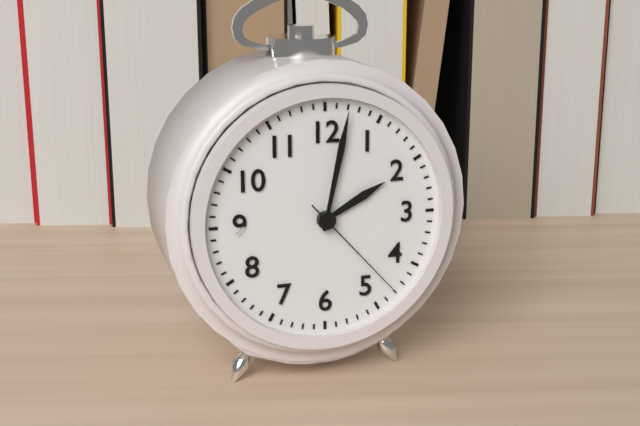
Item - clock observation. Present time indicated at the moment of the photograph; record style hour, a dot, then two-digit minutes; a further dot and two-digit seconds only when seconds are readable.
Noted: 2.02.23
